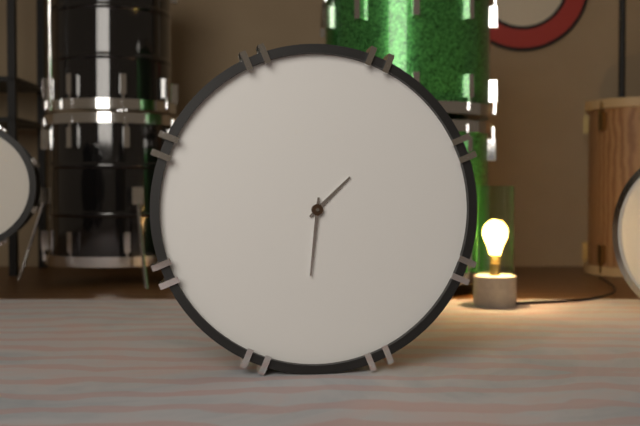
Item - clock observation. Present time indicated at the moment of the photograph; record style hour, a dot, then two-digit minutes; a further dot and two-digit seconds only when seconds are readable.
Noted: 1.31
